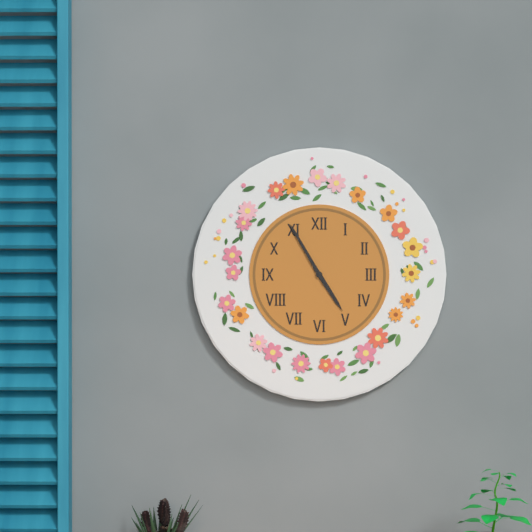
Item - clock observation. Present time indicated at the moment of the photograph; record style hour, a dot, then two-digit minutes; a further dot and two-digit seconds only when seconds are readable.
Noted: 4.55
